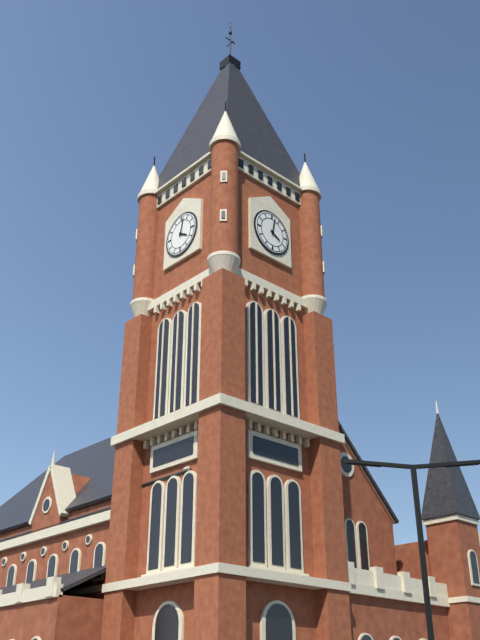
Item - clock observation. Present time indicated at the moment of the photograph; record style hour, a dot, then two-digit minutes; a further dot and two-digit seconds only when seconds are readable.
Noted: 4.02
